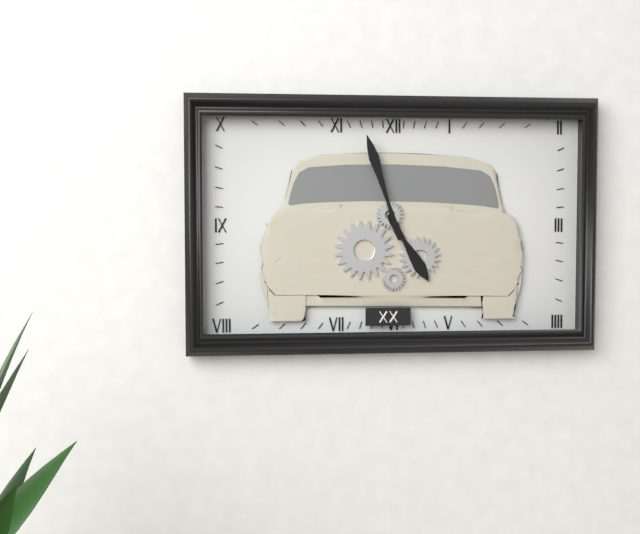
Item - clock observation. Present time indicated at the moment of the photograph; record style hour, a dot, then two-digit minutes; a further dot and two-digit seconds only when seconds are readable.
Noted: 4.57
